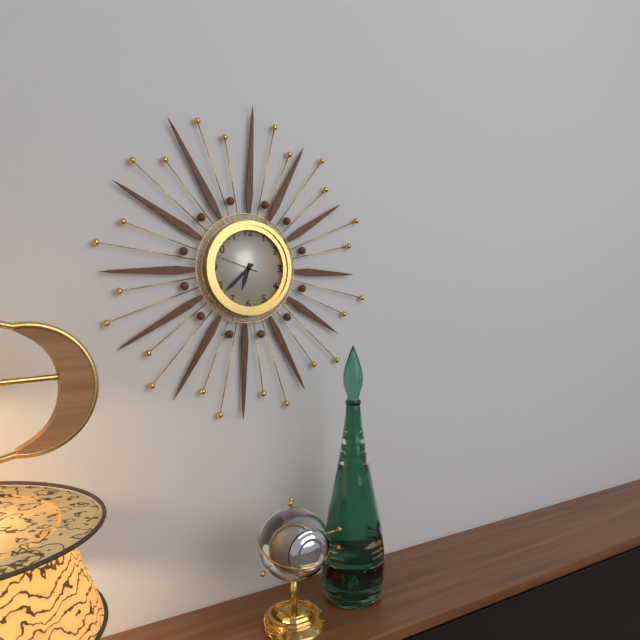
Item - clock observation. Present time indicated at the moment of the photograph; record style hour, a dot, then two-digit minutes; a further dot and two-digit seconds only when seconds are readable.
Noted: 6.38
